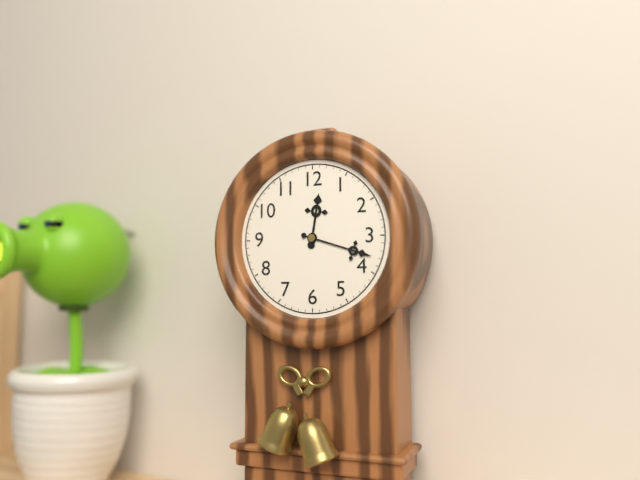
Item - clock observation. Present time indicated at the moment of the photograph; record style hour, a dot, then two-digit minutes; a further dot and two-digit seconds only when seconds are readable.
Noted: 12.18
